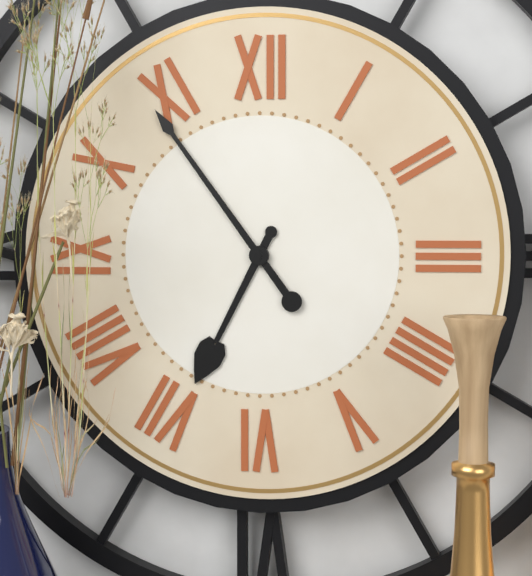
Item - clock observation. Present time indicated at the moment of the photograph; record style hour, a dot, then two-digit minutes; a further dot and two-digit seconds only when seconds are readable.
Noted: 6.54
